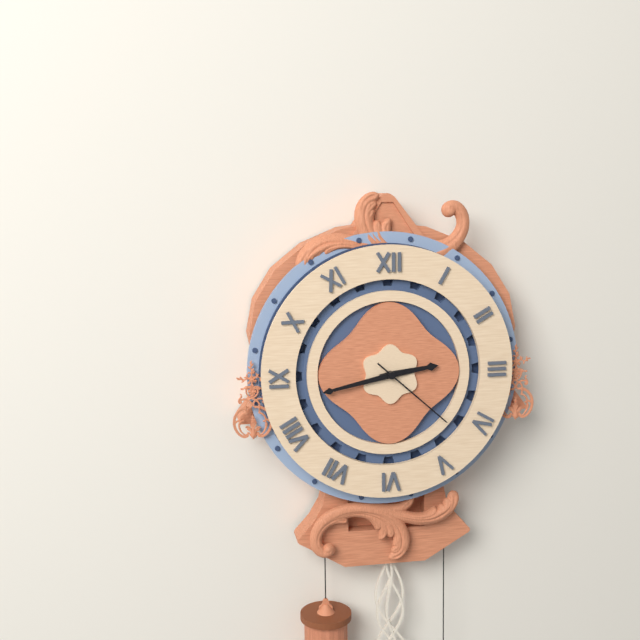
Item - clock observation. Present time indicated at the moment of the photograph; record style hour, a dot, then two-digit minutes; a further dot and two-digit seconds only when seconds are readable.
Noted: 2.43.22
